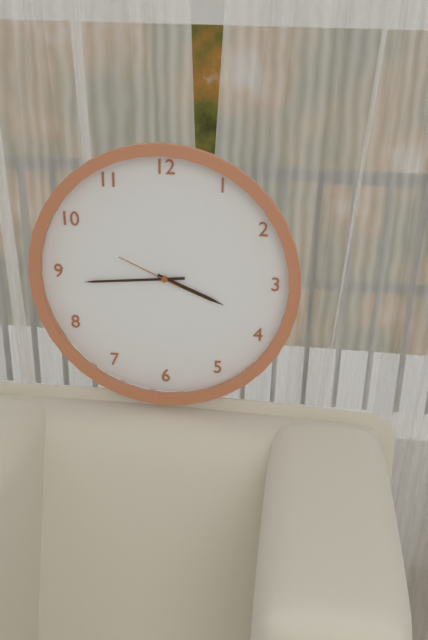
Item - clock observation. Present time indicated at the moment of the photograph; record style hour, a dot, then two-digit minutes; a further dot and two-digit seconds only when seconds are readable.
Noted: 3.44.49
